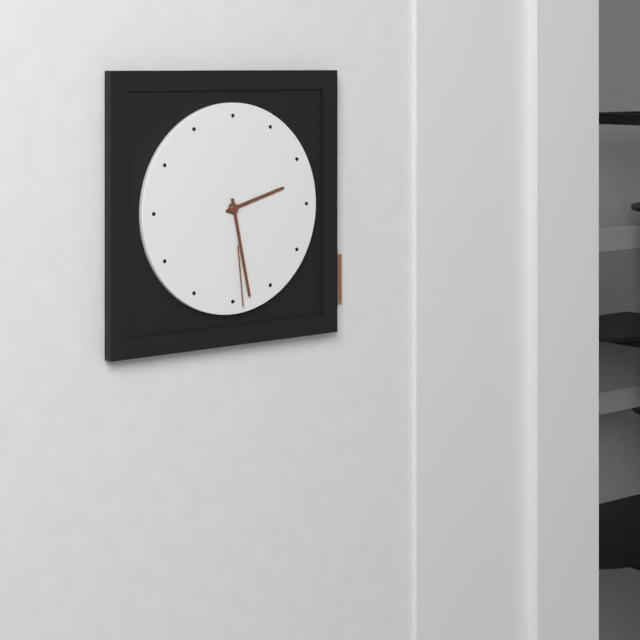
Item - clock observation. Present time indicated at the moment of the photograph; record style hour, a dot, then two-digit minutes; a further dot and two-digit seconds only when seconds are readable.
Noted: 2.28.29
